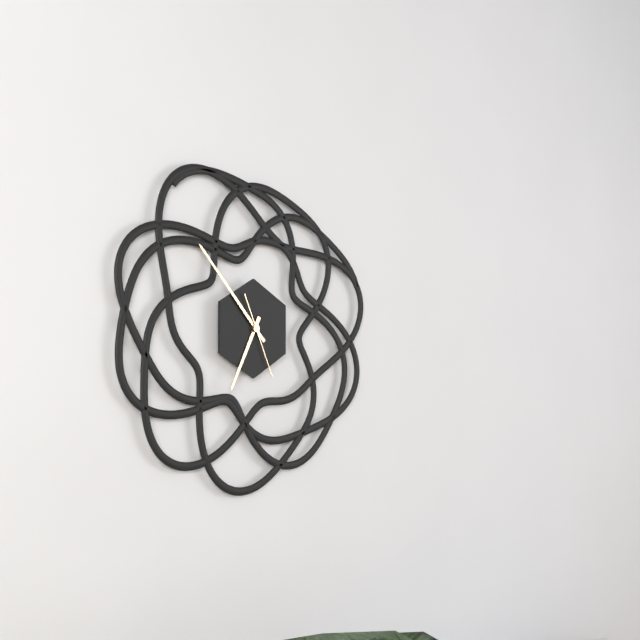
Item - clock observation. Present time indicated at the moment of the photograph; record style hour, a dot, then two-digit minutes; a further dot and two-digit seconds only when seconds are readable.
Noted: 6.53.26
